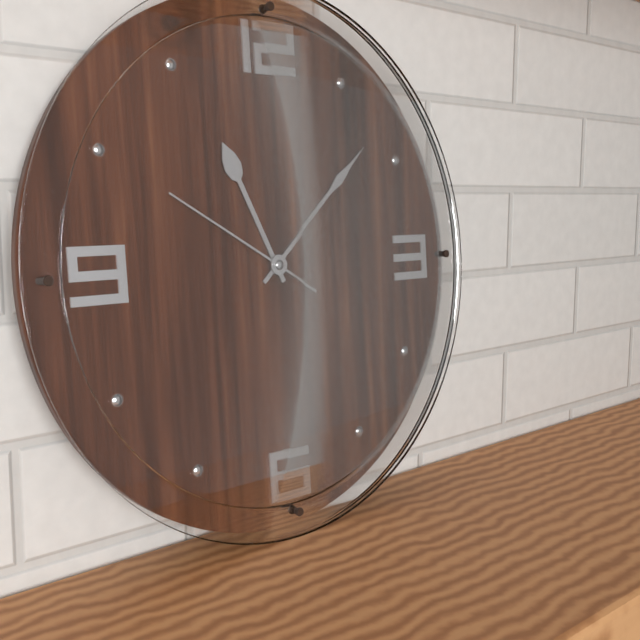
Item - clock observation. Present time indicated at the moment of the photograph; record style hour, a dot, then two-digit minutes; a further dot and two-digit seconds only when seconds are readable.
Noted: 11.08.50
